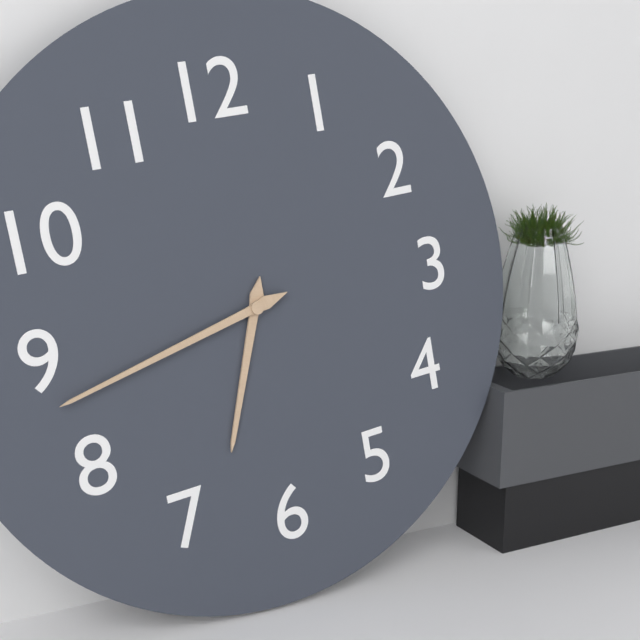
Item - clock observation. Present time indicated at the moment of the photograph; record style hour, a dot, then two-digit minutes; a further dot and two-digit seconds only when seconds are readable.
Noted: 6.43
